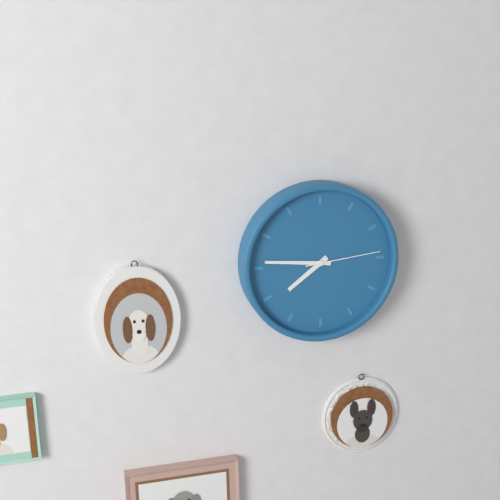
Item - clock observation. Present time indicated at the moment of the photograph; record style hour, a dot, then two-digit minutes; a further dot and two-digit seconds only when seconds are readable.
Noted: 7.46.14
